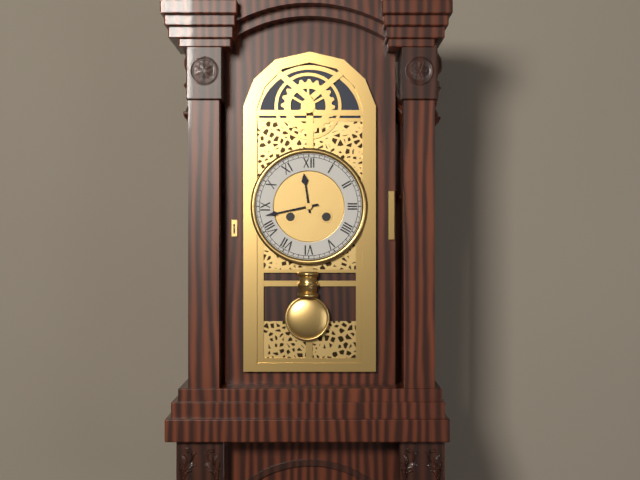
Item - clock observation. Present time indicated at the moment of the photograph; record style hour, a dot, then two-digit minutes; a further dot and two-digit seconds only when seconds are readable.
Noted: 11.43
